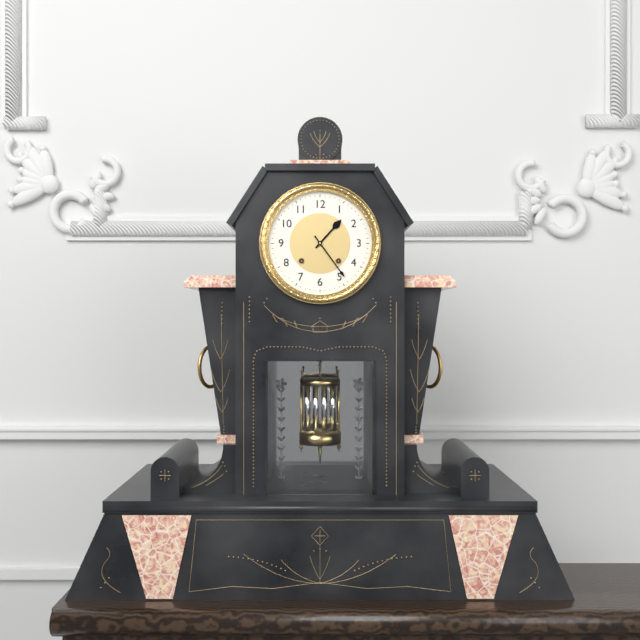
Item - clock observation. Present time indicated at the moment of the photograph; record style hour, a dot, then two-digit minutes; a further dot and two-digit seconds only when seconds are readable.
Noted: 1.24
